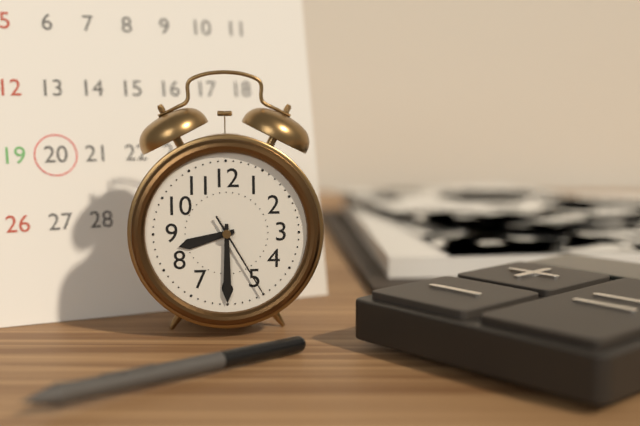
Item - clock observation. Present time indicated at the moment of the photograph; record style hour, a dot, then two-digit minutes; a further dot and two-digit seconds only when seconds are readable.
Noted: 8.30.25
